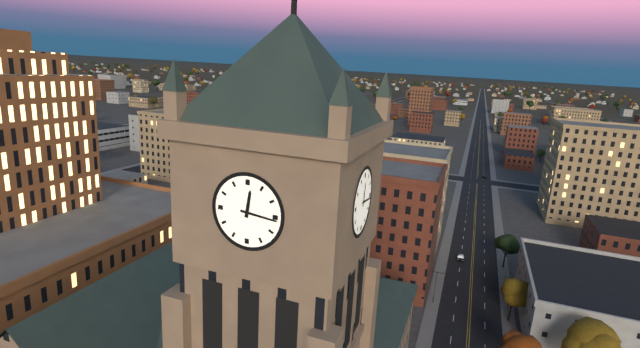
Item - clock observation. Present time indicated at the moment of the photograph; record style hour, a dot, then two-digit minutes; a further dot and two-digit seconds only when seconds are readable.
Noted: 12.16
